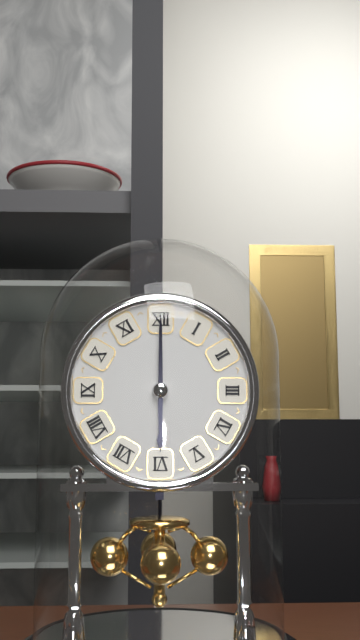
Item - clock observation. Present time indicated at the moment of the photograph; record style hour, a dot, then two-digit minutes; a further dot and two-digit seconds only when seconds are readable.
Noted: 6.00
